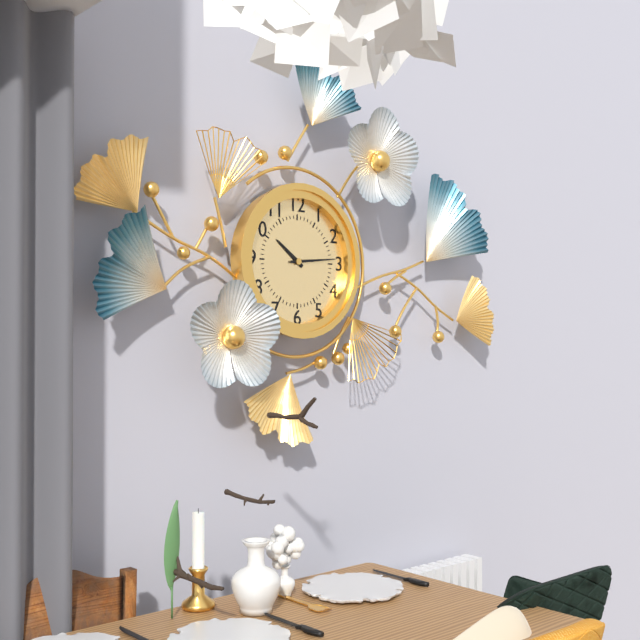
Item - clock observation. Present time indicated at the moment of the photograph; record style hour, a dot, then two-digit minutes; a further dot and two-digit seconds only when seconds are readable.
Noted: 10.14
